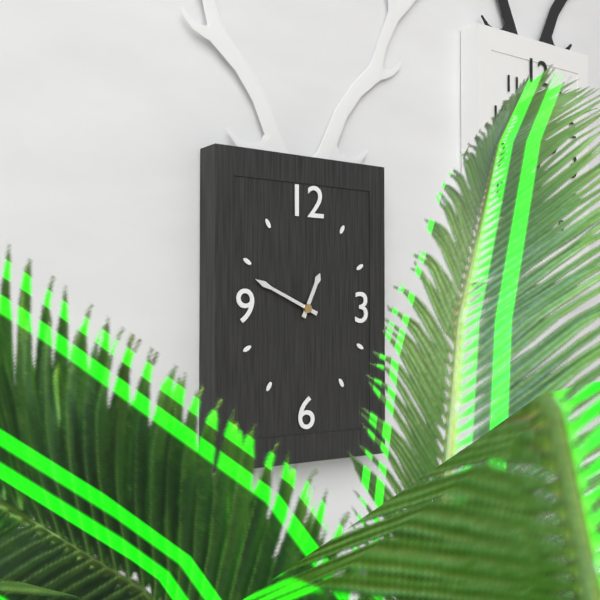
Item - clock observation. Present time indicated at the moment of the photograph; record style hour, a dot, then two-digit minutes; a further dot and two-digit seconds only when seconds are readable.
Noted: 12.49
